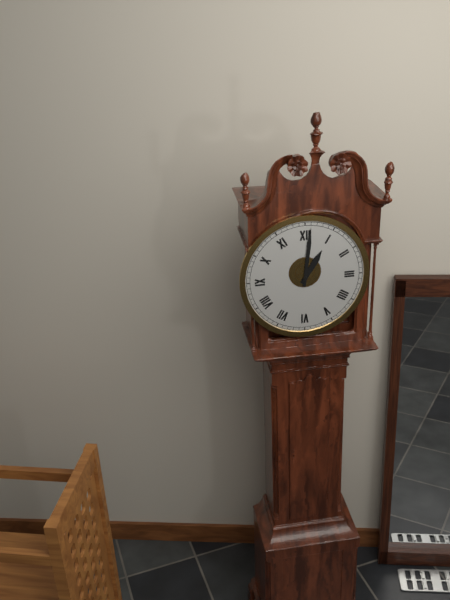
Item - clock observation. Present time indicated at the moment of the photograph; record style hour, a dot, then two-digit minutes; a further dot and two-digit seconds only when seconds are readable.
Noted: 1.01
